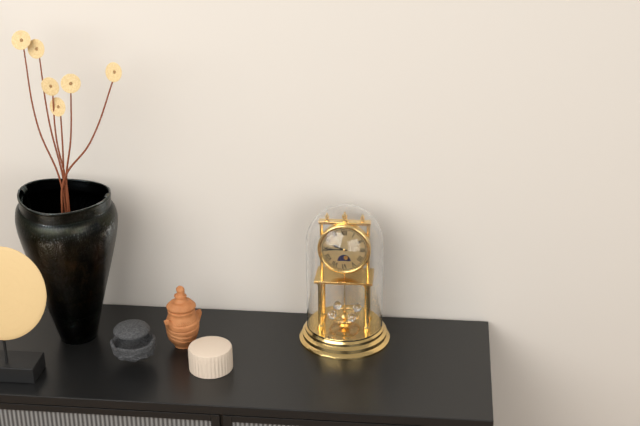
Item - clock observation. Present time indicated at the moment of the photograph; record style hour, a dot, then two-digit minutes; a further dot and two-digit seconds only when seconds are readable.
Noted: 9.45
